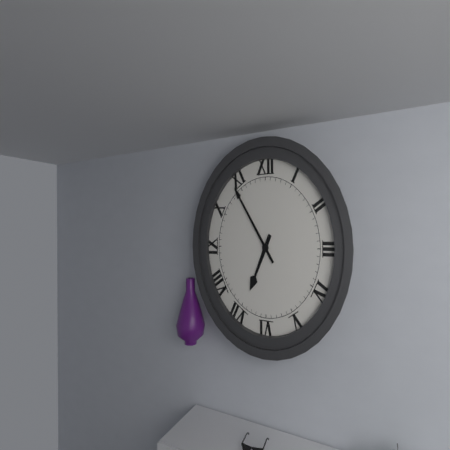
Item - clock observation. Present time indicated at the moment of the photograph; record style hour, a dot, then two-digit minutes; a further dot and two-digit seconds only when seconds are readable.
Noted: 6.54
